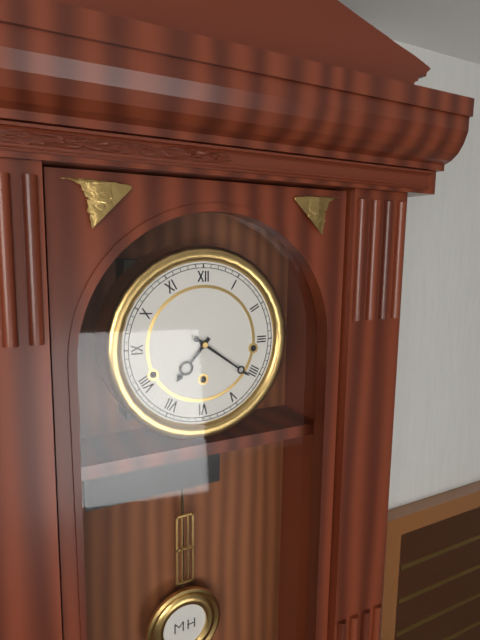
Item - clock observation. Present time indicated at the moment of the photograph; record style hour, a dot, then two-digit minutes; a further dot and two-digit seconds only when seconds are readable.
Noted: 7.21
